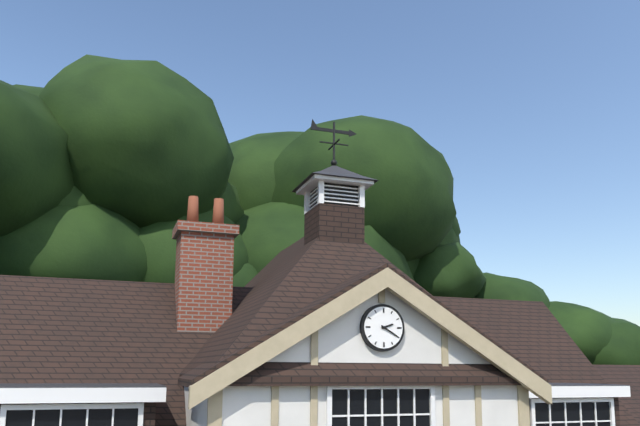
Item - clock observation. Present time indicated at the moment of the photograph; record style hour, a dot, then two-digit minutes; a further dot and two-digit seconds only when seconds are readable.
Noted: 2.20
